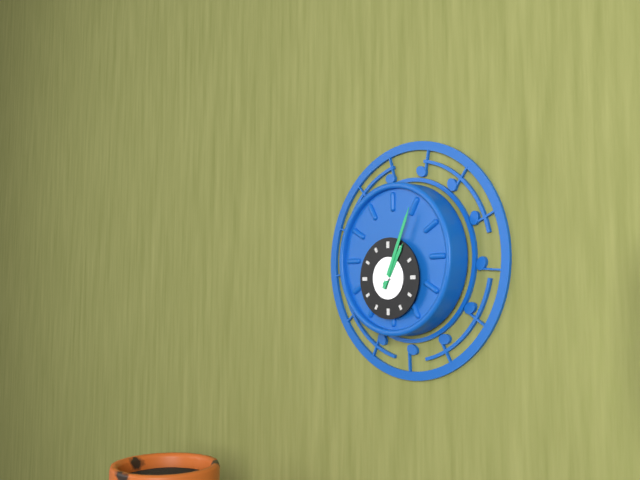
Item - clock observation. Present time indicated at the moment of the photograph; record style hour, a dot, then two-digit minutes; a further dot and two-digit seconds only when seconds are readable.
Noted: 1.04
